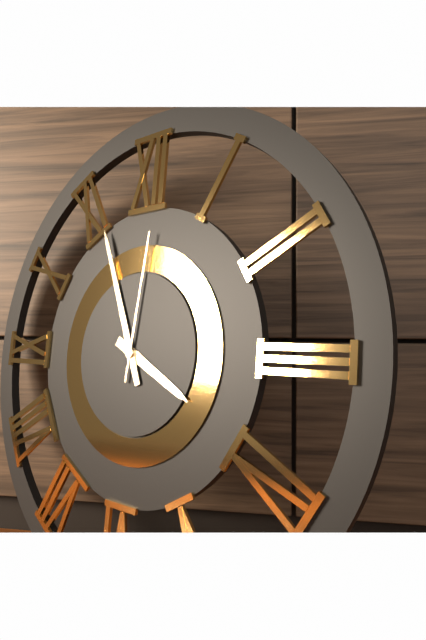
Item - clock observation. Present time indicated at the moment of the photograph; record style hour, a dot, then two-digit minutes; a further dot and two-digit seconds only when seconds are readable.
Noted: 3.56.01
